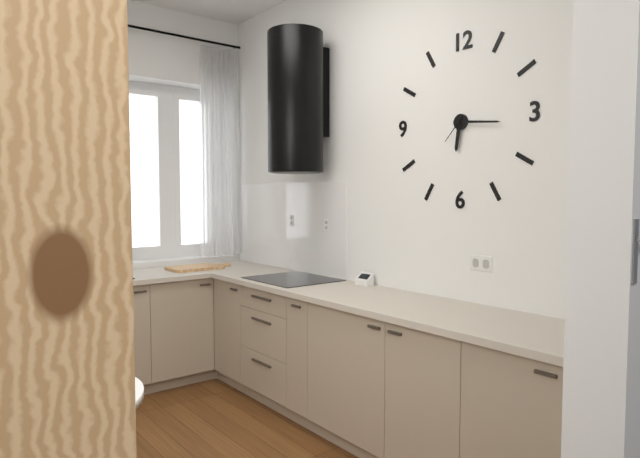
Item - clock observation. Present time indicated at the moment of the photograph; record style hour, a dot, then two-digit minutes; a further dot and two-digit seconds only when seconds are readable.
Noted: 6.16
